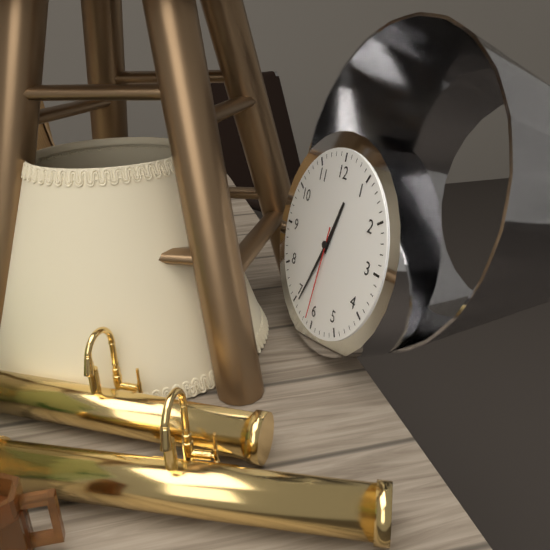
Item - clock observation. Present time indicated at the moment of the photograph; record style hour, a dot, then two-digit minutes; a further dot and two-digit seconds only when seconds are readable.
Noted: 12.34.31
